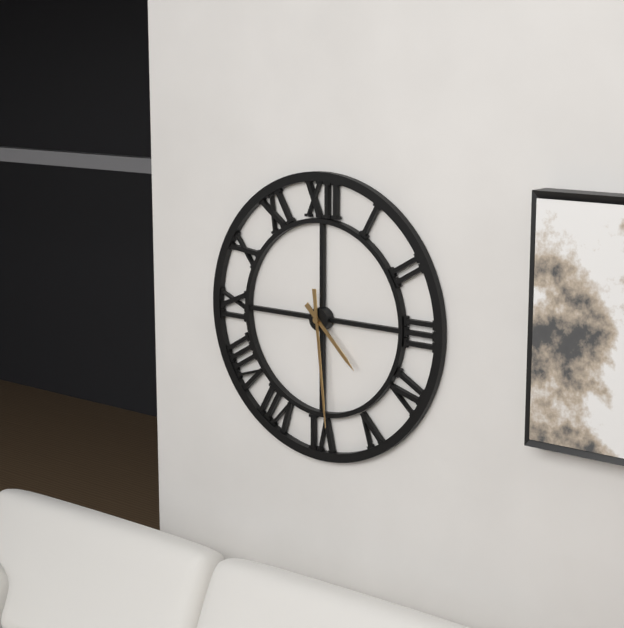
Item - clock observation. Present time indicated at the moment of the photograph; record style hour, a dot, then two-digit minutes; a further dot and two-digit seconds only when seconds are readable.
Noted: 4.29
